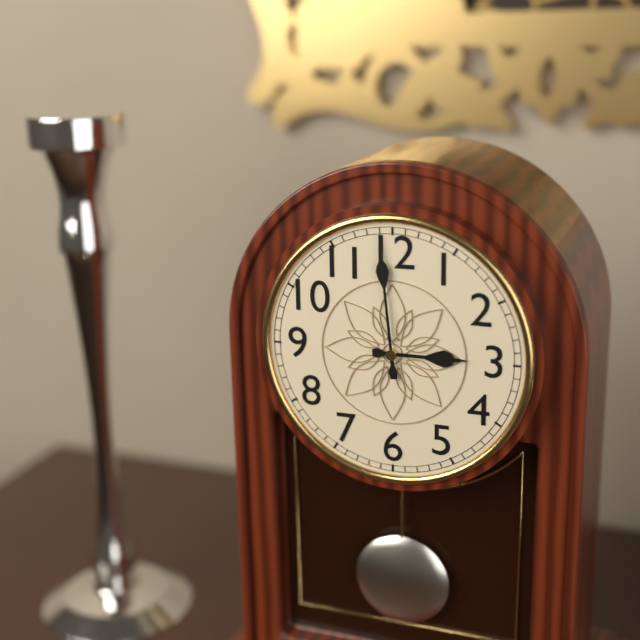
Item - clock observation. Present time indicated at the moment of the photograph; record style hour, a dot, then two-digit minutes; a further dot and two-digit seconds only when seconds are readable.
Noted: 2.59
